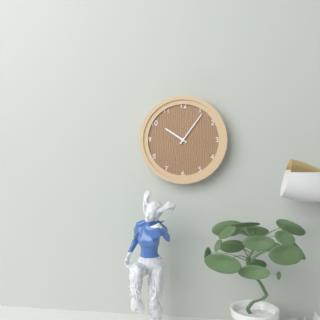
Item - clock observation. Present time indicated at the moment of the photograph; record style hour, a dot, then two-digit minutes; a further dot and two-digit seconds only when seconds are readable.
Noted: 10.06
